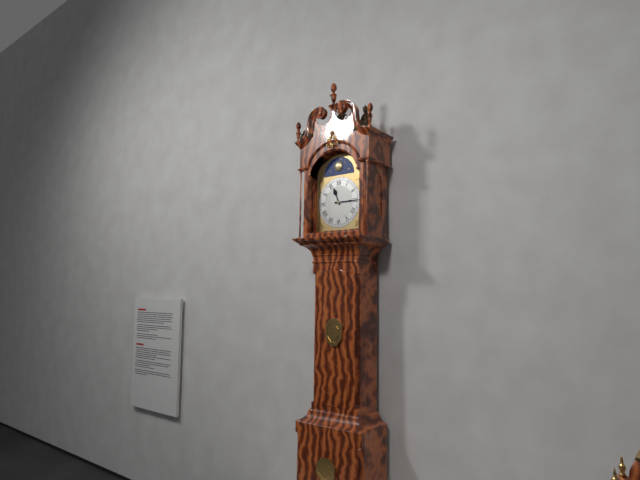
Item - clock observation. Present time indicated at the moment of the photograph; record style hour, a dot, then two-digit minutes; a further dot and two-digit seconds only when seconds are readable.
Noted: 11.15
